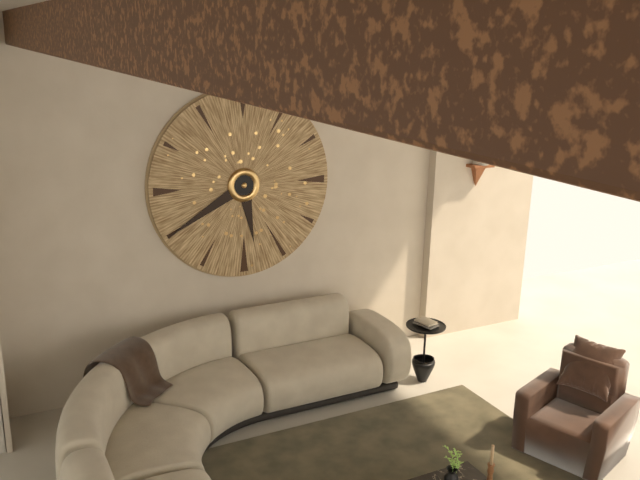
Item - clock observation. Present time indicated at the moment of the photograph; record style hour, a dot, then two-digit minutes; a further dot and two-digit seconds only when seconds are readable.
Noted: 5.40
